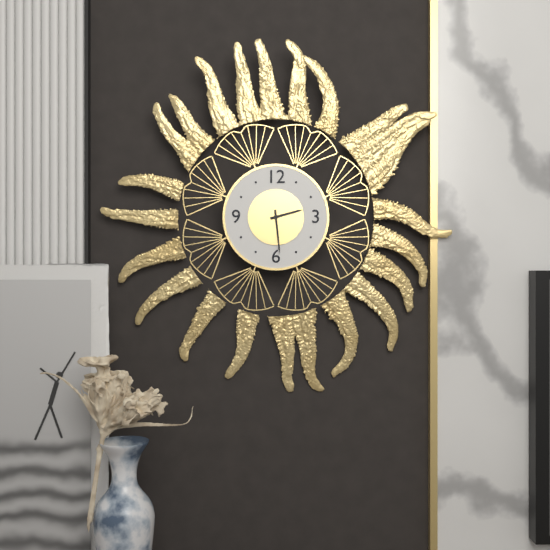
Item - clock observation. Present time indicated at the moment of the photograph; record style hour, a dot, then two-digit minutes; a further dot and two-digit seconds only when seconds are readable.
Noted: 2.29
